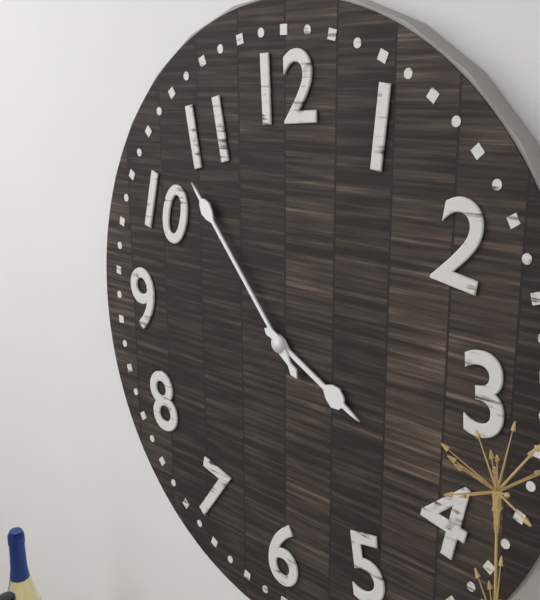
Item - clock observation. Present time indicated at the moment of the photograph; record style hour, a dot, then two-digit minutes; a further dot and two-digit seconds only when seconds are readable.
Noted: 3.53
